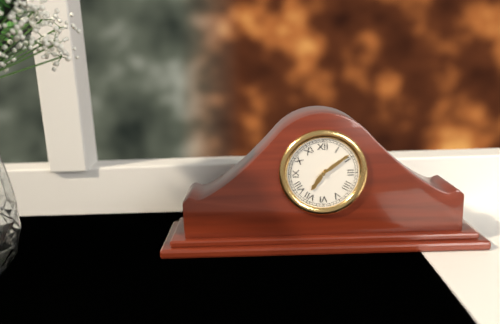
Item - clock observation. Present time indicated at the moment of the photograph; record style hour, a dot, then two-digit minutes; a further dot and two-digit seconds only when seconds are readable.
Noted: 7.09
